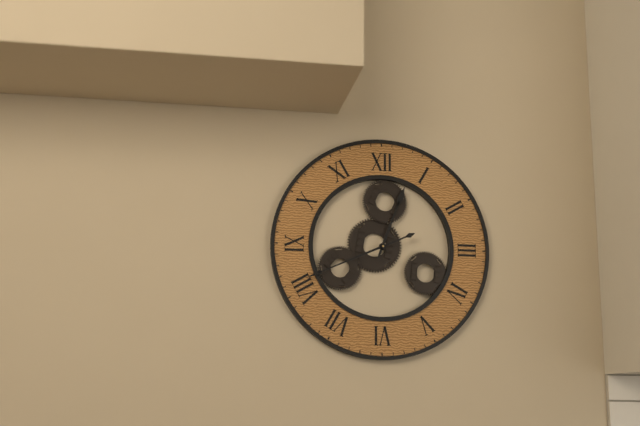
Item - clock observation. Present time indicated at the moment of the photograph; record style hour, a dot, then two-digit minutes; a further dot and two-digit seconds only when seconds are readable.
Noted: 12.41
